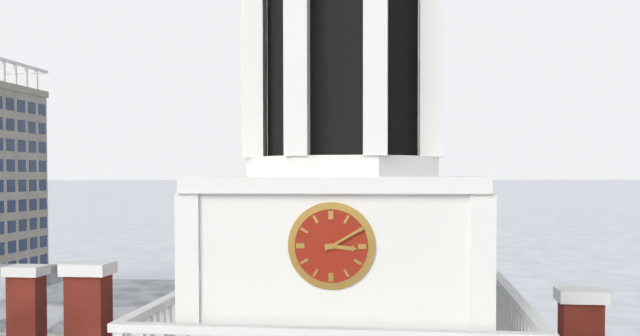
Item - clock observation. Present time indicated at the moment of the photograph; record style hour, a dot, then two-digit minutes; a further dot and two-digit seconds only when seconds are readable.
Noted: 3.10
